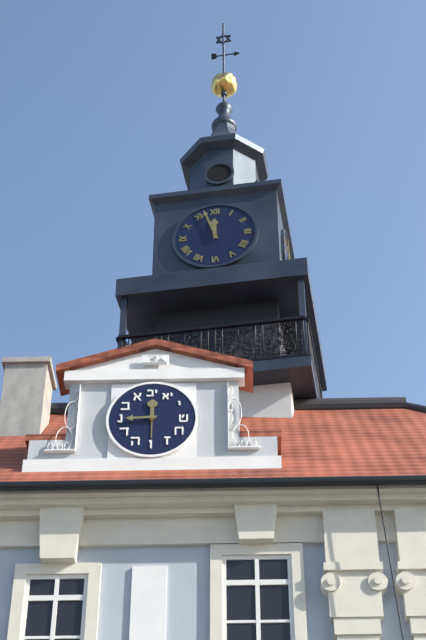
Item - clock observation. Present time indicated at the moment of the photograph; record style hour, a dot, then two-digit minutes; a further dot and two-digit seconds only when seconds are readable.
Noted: 11.57
